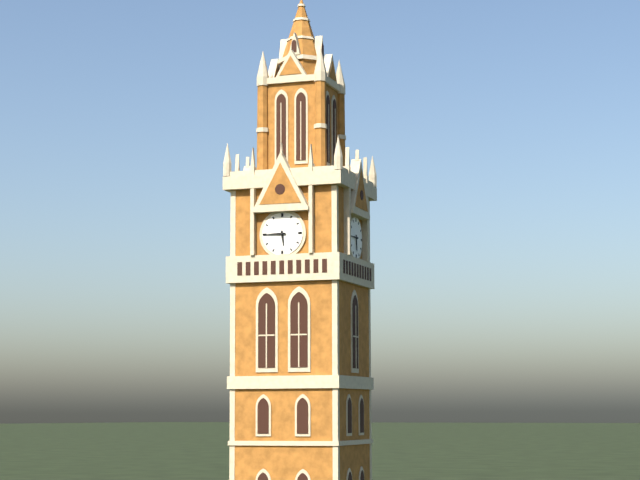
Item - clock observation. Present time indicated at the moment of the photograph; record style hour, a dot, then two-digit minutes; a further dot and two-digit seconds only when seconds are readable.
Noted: 5.45
